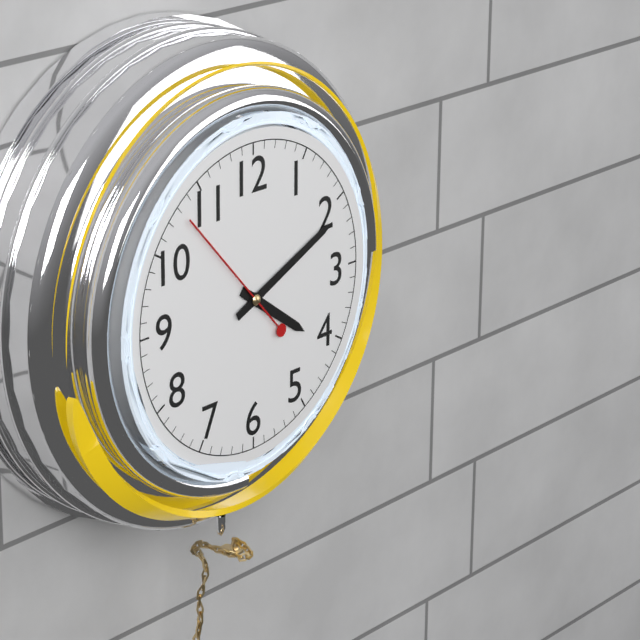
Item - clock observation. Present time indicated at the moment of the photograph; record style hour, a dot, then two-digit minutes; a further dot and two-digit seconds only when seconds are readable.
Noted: 4.11.53
